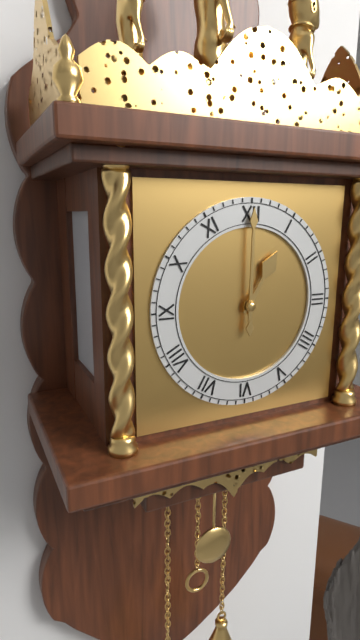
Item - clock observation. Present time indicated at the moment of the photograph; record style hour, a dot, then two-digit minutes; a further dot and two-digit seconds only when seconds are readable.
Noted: 1.00
